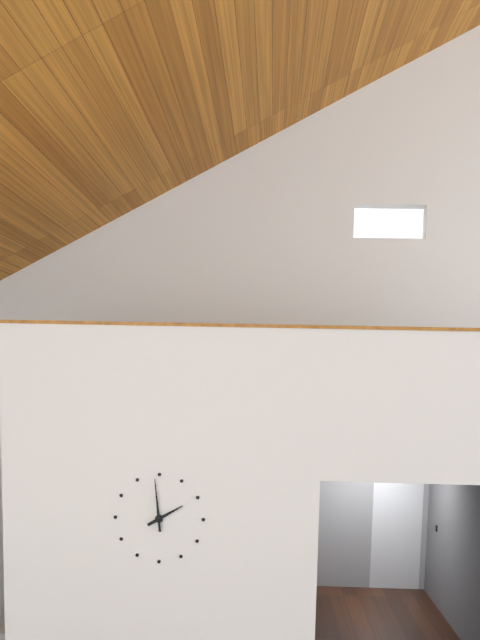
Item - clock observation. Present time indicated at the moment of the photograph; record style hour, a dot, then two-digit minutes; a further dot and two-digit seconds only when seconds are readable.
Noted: 1.59
